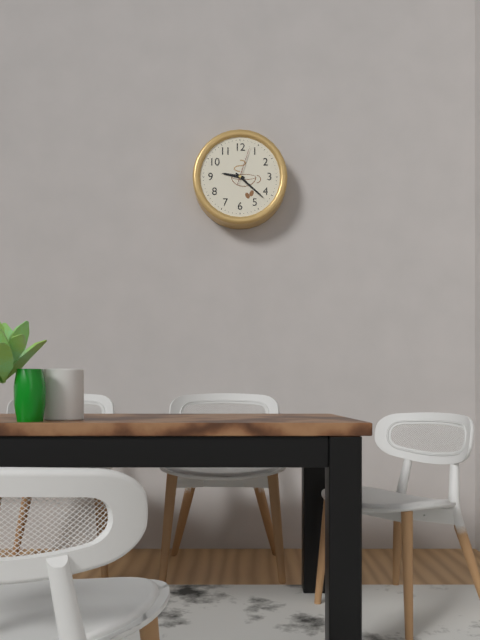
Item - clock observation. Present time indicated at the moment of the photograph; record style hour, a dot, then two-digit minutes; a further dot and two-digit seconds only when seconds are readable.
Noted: 9.22
